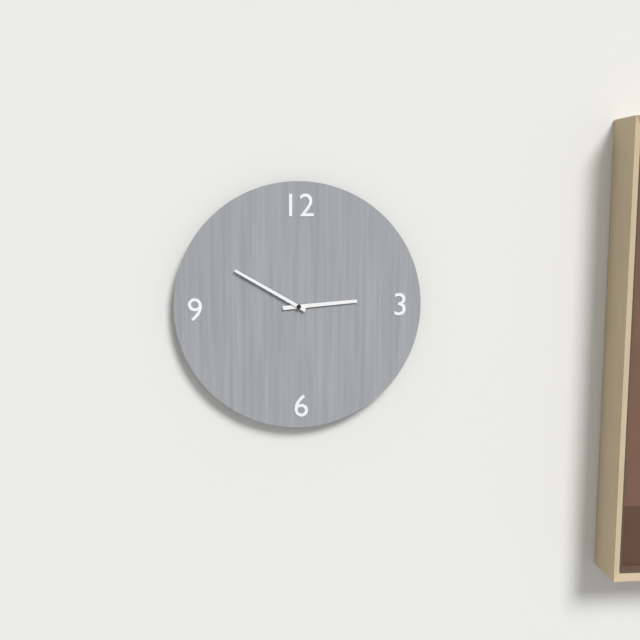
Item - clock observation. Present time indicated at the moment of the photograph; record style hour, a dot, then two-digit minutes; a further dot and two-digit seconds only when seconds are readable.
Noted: 2.50
